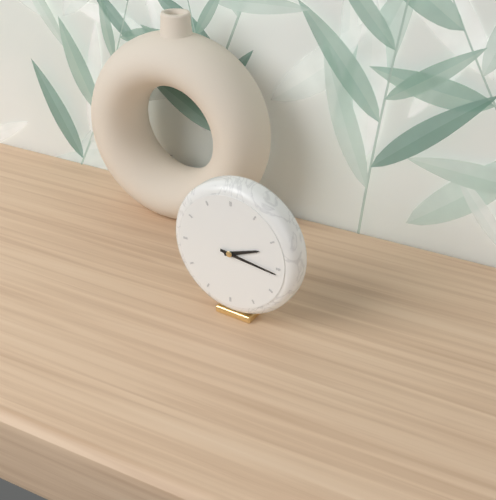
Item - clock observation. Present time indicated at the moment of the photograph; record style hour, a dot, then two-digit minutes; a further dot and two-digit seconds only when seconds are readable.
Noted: 2.16
